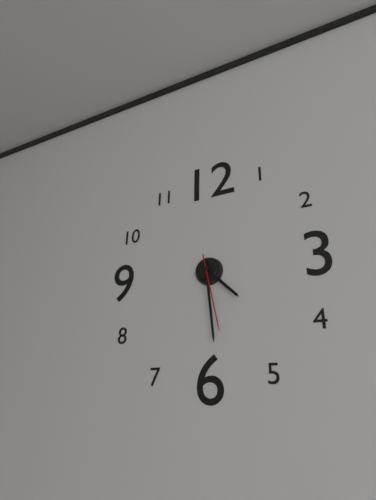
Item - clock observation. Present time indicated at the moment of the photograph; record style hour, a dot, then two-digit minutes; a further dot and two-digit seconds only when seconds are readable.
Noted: 4.29.28
